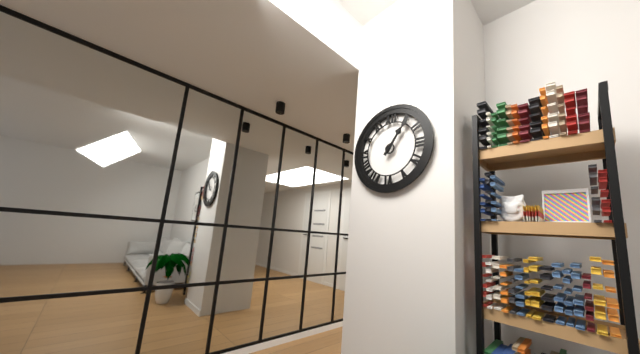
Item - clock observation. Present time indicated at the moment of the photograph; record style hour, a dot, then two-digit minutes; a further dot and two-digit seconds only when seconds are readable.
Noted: 1.06
